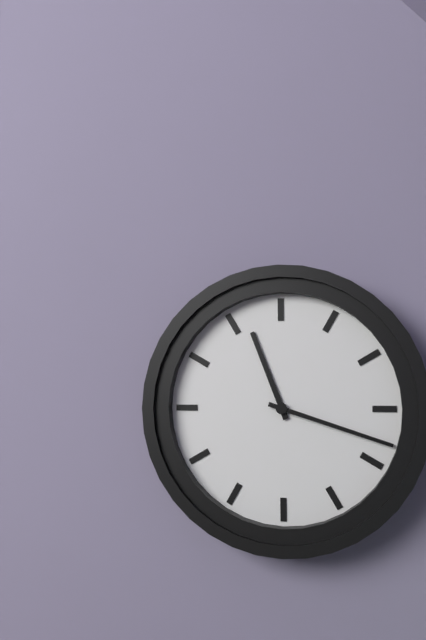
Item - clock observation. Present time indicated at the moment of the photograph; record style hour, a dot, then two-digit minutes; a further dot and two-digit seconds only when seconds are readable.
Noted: 11.18
